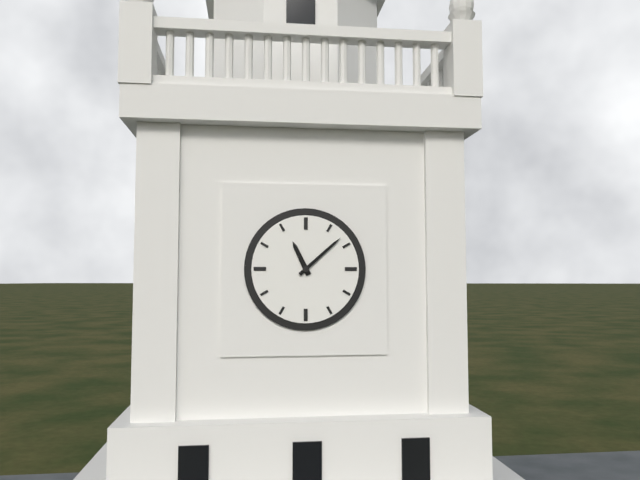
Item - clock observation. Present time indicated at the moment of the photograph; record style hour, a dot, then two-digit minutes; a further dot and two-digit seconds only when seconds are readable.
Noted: 11.08
